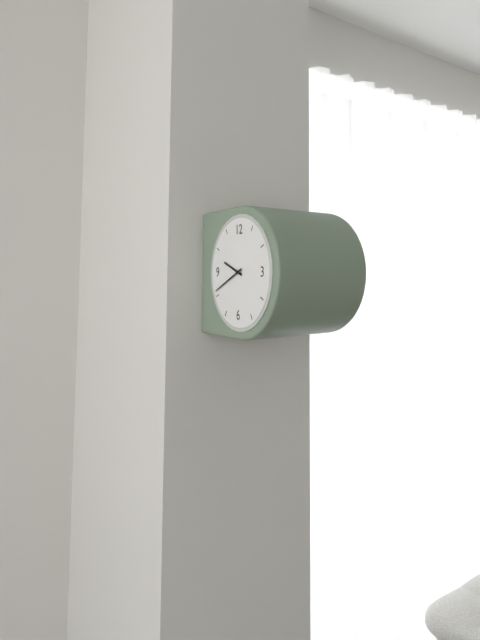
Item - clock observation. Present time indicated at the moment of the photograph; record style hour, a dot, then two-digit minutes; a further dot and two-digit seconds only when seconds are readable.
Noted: 9.41
